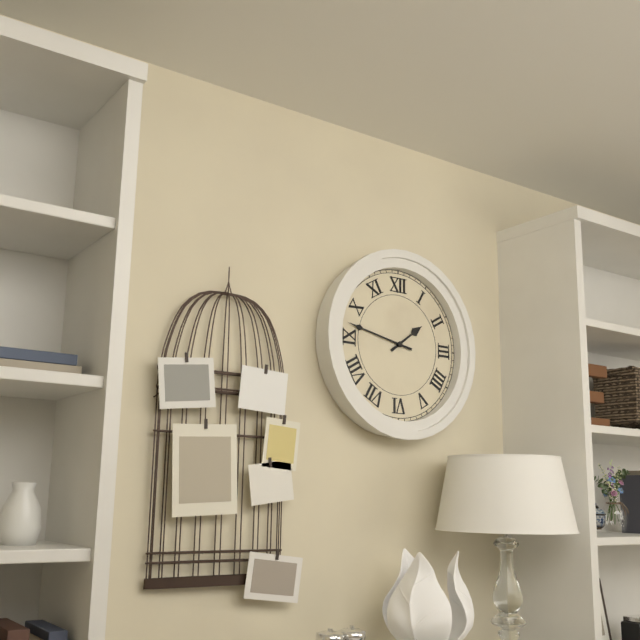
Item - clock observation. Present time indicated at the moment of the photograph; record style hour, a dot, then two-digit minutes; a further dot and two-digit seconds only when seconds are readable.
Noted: 1.47
